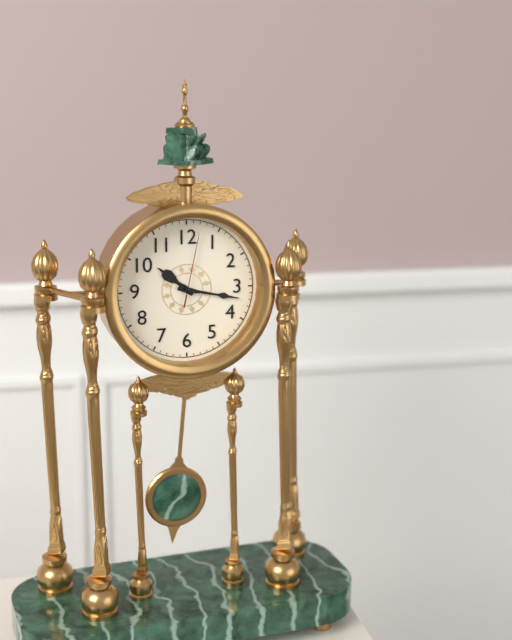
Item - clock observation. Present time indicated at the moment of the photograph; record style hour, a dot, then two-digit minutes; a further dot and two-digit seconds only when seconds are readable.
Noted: 10.17.02
